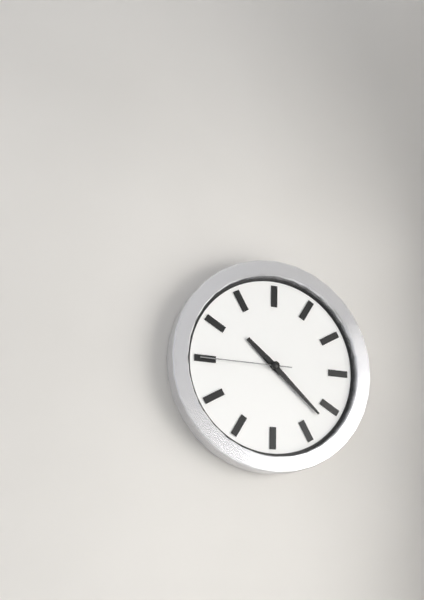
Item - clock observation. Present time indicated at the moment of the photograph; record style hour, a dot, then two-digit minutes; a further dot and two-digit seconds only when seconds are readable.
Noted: 10.22.45
